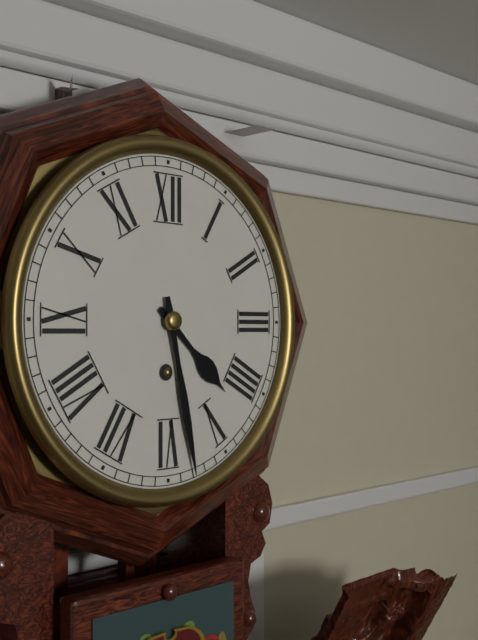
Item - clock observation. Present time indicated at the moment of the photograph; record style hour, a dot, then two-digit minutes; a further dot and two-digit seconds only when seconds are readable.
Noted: 4.28
